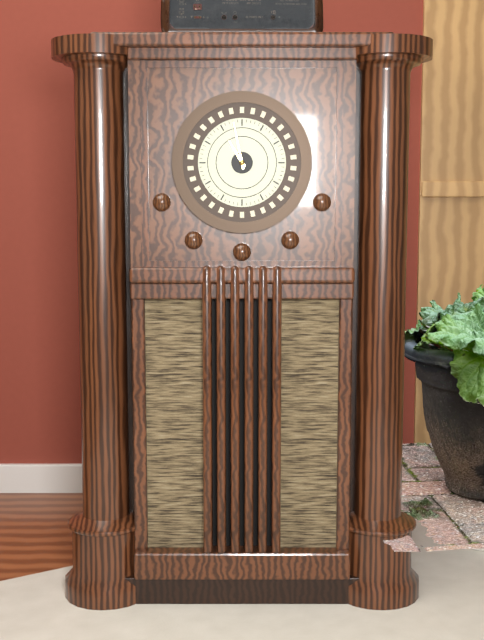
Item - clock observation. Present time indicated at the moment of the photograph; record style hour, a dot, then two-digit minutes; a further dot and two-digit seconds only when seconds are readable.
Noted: 10.58
